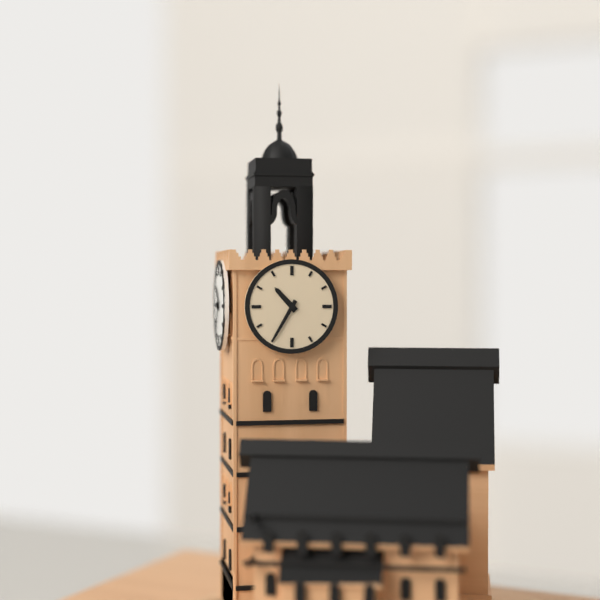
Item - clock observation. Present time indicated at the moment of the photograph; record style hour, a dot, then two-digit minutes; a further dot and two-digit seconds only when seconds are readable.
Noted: 10.35
